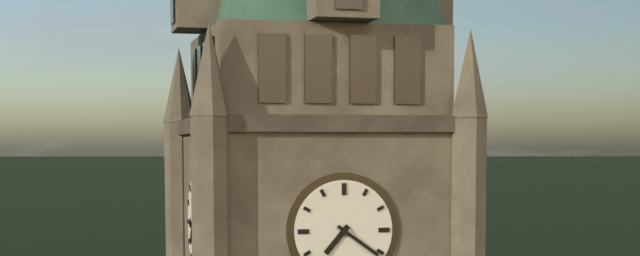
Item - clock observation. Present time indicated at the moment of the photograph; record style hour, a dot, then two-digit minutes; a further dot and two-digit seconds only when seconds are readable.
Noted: 7.21
